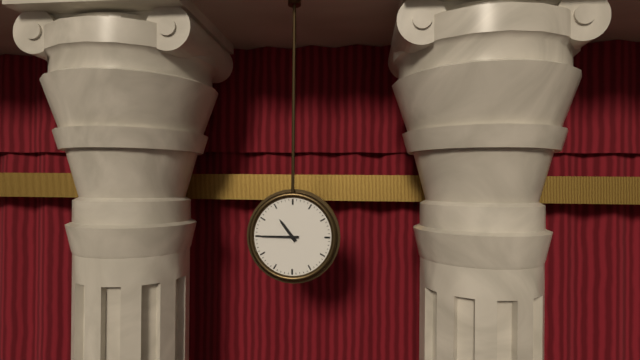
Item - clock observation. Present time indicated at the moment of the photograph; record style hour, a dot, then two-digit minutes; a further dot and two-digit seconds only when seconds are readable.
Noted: 10.45
